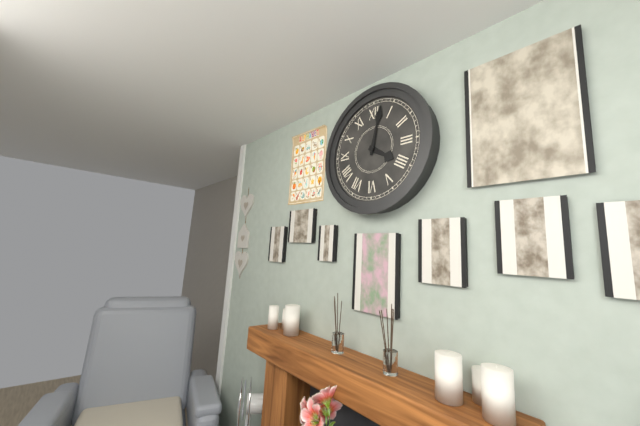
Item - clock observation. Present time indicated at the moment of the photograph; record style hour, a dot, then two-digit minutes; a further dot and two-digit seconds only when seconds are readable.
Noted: 4.02
